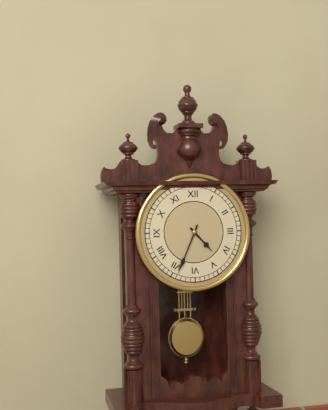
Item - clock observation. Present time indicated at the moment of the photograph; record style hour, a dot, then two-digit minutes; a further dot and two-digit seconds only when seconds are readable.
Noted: 4.34
